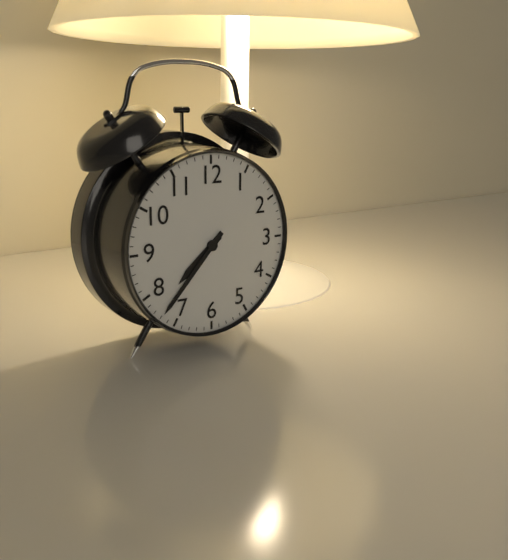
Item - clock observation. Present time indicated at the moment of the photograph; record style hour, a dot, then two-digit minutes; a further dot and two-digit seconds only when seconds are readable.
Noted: 7.37
